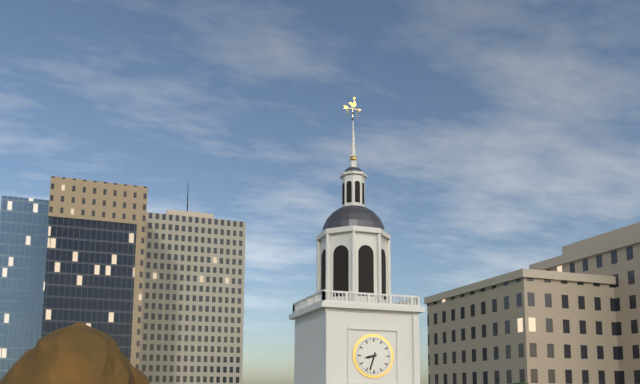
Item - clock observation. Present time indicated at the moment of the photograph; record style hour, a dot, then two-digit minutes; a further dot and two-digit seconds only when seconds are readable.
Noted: 8.33
